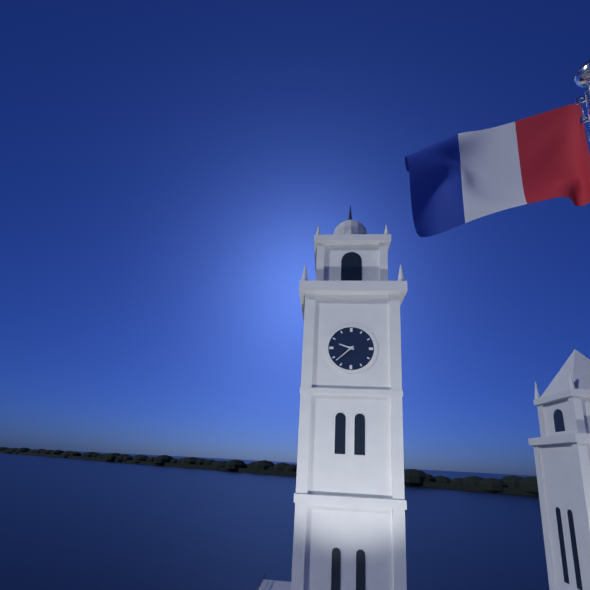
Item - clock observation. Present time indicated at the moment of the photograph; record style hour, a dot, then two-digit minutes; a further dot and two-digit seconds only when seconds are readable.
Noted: 9.38
